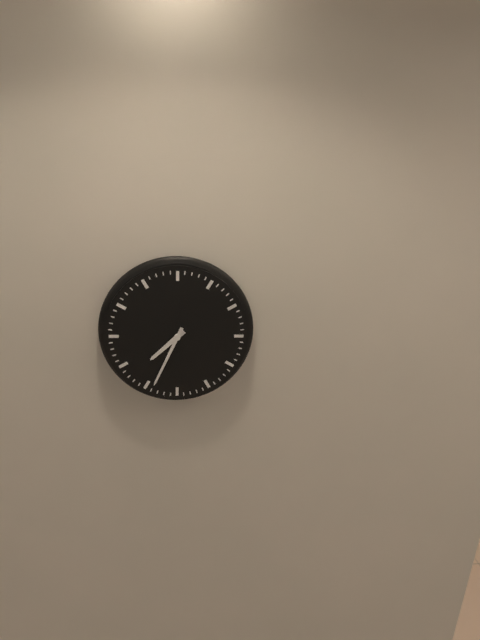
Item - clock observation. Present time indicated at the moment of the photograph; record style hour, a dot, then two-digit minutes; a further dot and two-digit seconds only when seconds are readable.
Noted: 7.34
